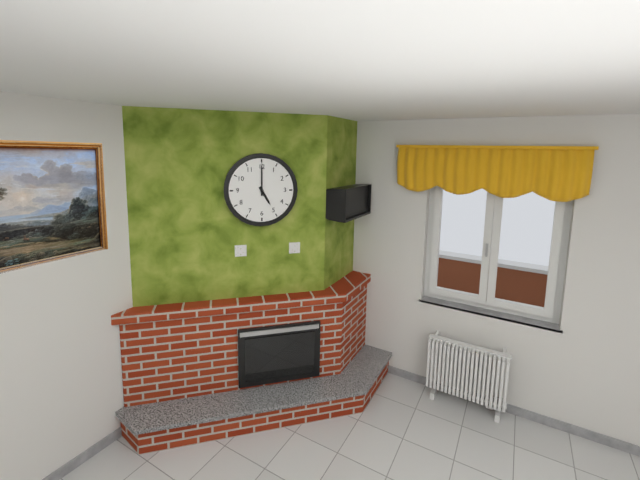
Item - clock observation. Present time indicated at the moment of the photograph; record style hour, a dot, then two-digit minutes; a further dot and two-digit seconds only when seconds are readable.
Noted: 5.00
